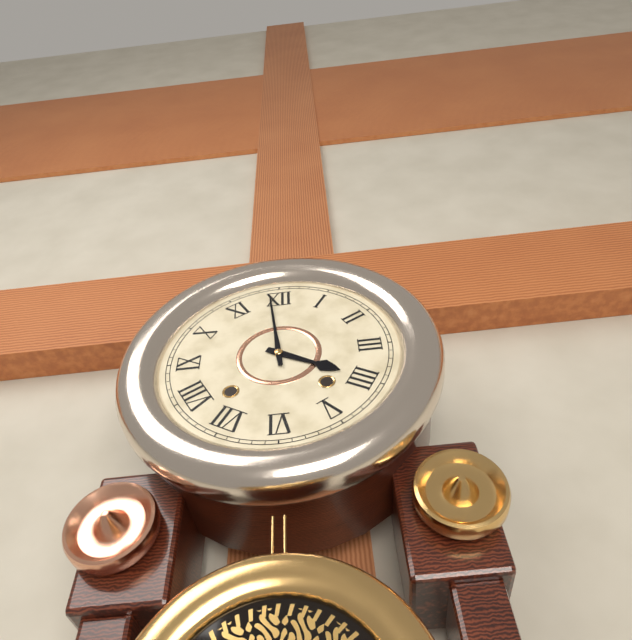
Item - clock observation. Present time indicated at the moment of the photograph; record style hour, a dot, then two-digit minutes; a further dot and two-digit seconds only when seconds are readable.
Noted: 3.59
